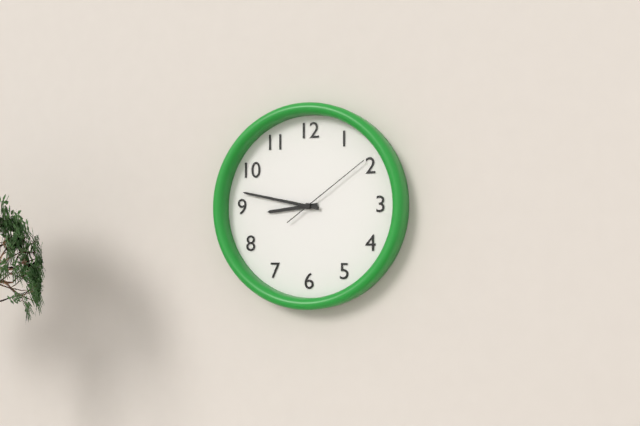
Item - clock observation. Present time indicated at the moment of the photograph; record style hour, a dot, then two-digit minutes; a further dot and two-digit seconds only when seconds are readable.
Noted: 8.47.09
